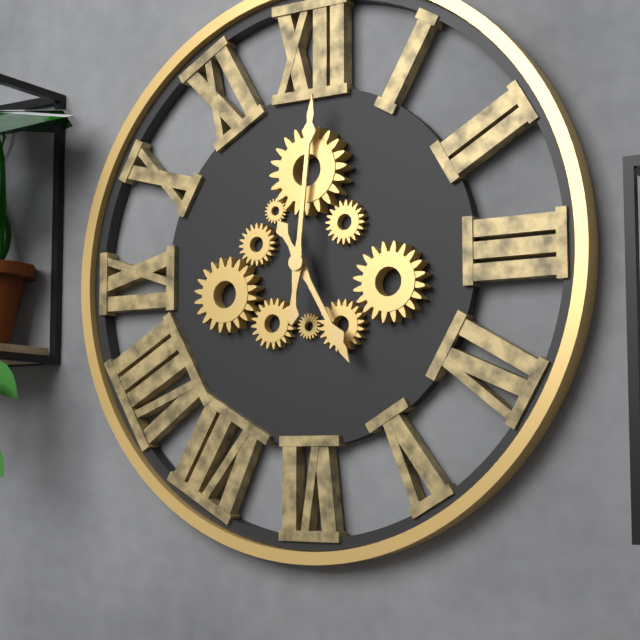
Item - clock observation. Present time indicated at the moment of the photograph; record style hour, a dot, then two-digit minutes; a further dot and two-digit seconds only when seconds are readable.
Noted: 5.01
